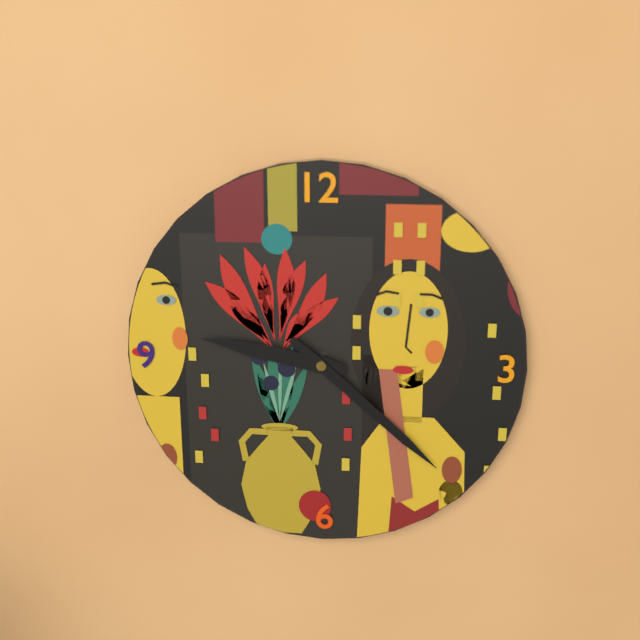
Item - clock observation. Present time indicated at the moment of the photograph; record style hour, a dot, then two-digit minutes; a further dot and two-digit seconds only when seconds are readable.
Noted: 9.22
